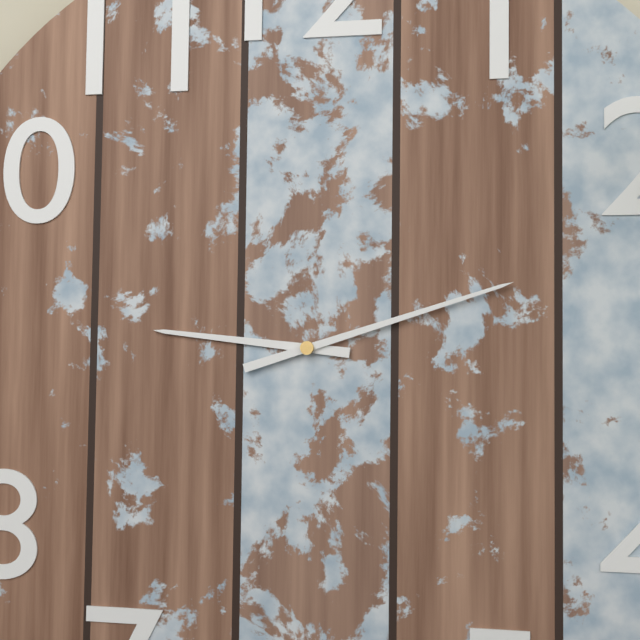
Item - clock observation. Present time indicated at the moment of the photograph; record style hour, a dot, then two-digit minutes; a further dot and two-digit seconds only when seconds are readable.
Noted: 9.12
